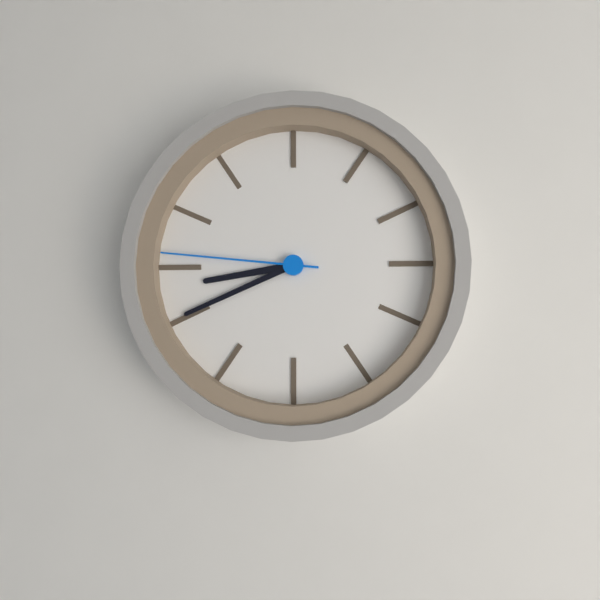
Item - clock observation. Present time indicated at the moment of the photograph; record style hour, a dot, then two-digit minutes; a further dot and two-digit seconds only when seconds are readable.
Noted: 8.41.46
